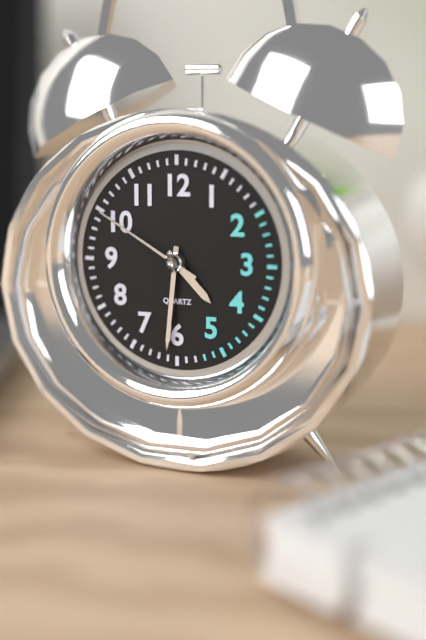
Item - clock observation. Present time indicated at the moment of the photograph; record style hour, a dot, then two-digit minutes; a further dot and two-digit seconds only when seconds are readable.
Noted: 4.31.50
